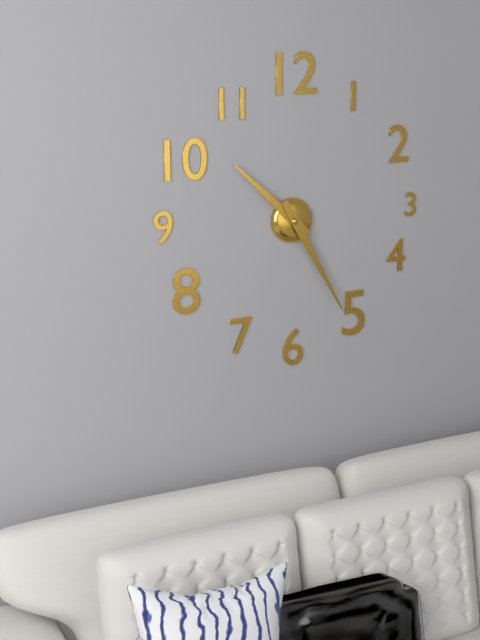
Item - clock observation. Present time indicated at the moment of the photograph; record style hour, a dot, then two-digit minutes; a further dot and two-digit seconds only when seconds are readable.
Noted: 10.25
